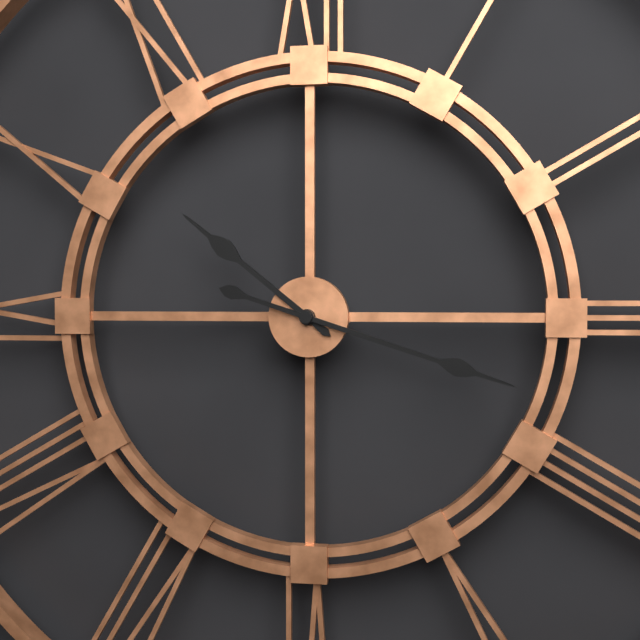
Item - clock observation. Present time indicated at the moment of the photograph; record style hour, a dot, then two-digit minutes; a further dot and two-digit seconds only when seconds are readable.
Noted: 10.18
